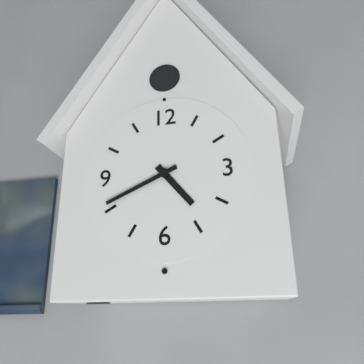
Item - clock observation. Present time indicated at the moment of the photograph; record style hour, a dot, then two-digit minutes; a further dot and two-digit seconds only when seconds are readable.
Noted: 4.41
